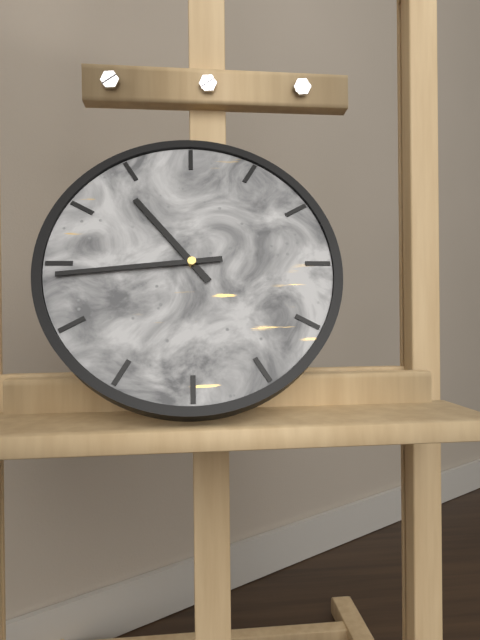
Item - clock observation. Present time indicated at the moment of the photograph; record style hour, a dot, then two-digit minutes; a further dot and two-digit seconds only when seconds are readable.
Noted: 10.44
